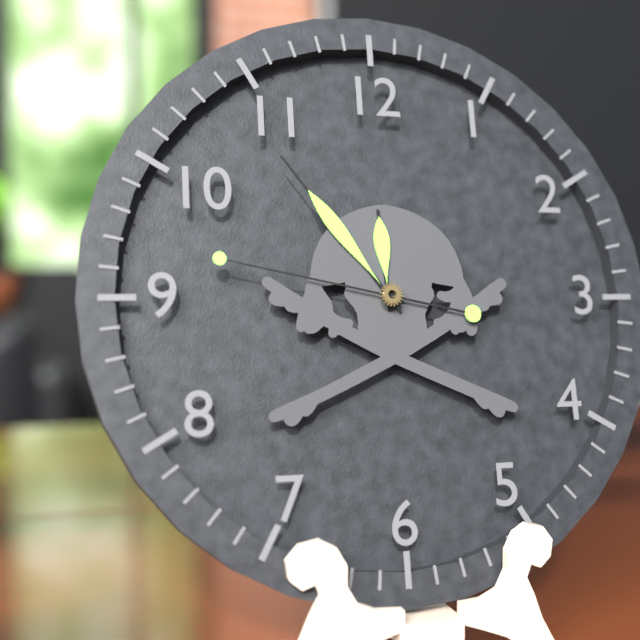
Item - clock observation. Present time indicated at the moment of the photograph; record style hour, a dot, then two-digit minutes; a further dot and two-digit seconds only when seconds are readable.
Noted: 11.54.47
